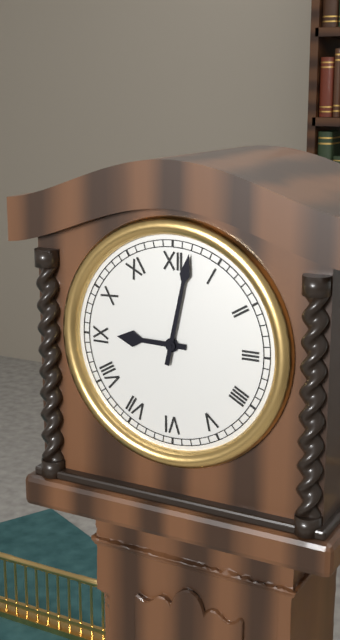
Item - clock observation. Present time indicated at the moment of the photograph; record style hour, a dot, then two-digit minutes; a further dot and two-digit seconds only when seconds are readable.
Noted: 9.02
